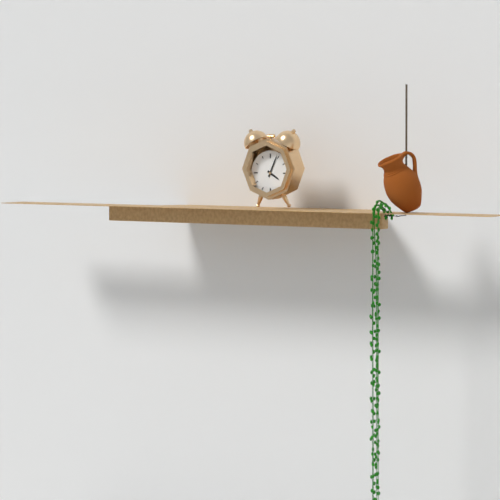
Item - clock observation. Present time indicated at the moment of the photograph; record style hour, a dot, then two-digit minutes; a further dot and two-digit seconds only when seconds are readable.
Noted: 4.04
